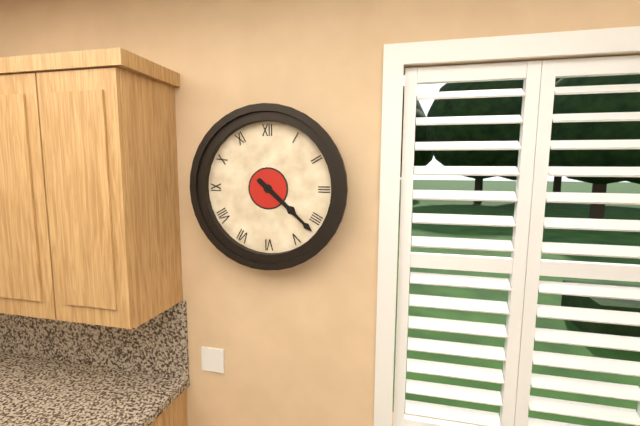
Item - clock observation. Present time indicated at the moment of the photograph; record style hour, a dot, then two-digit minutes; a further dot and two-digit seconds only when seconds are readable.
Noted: 4.22
